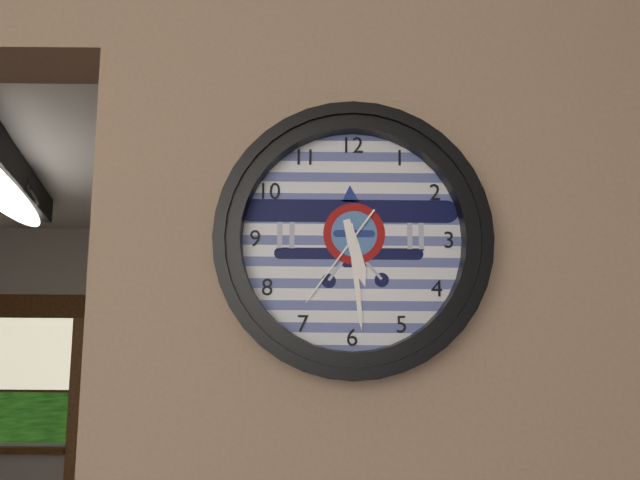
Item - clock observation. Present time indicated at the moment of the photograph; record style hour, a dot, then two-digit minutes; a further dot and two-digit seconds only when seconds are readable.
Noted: 5.29.36
